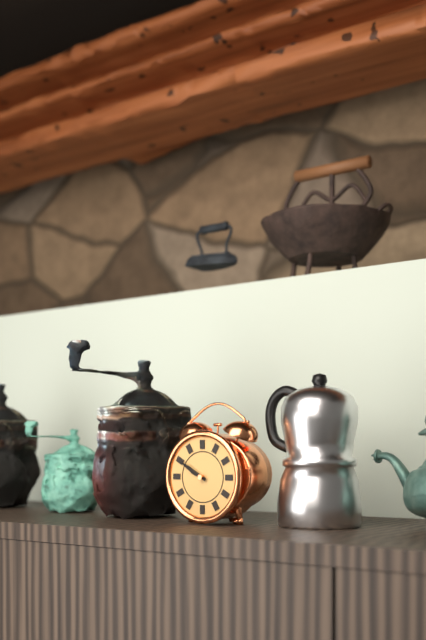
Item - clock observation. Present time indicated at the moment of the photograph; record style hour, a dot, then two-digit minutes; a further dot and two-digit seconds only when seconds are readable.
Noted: 9.50
